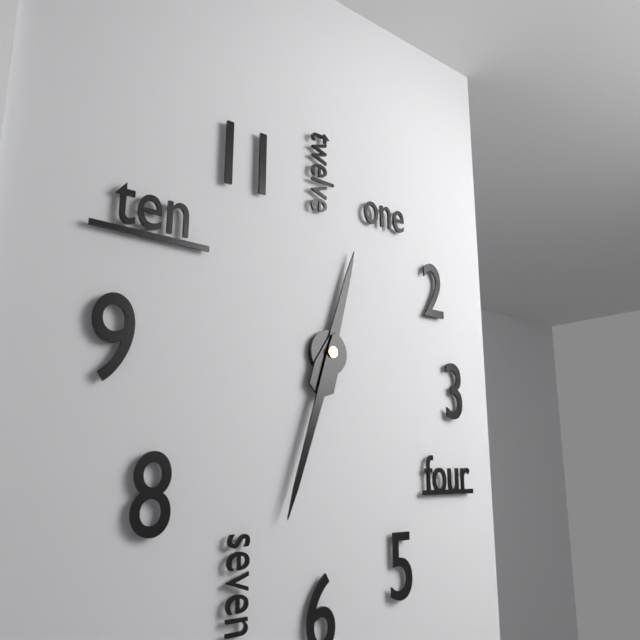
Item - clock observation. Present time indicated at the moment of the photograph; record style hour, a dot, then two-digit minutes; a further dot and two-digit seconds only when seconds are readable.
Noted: 12.33
